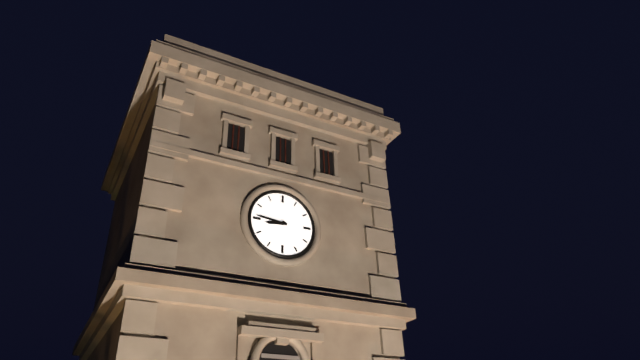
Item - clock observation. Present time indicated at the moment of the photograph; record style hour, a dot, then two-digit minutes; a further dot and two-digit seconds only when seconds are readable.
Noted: 8.46
